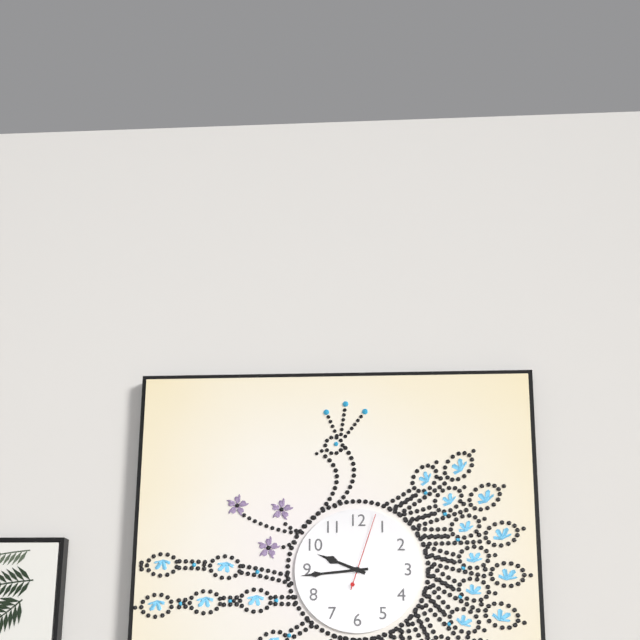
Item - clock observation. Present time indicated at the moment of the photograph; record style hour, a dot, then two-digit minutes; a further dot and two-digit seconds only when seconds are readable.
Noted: 9.44.03
